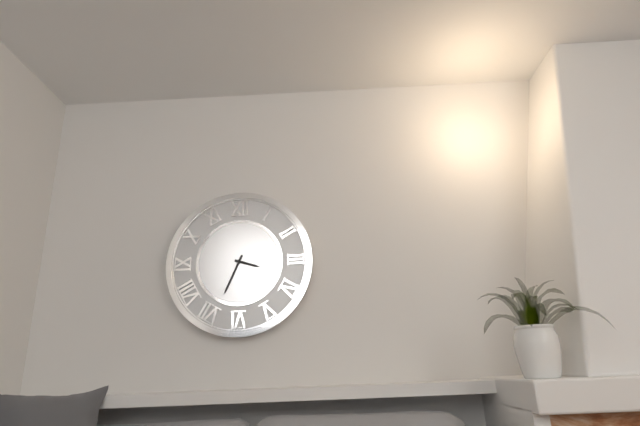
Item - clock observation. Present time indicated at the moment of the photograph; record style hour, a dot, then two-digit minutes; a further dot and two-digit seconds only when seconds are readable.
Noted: 3.34
